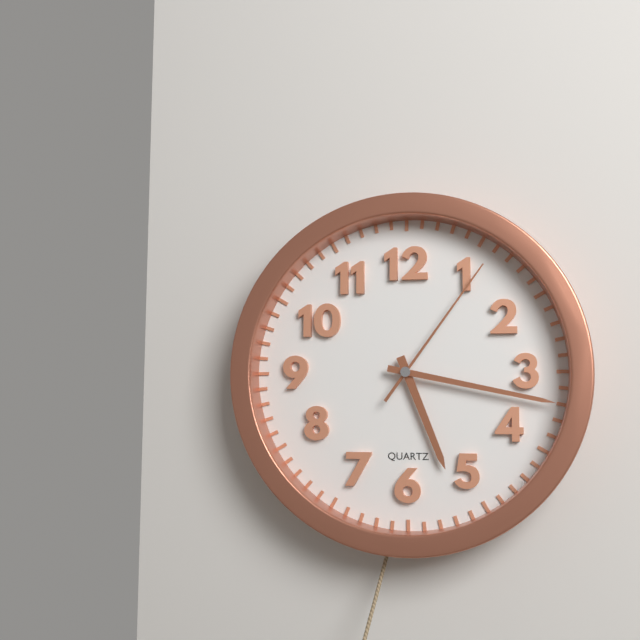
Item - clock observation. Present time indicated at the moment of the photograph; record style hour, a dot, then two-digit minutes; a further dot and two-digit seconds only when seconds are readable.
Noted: 5.17.06
